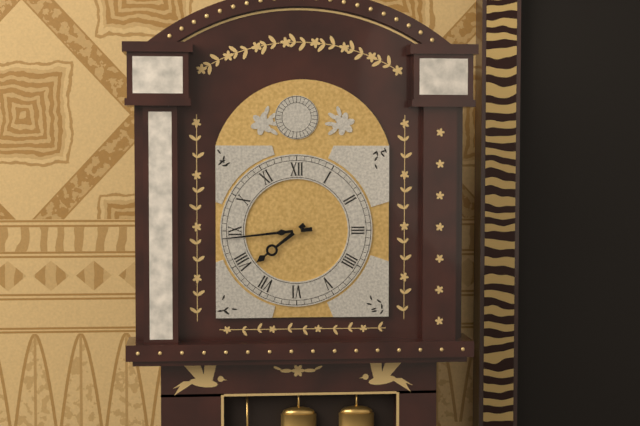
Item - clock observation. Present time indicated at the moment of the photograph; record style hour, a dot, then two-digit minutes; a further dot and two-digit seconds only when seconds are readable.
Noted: 7.44
